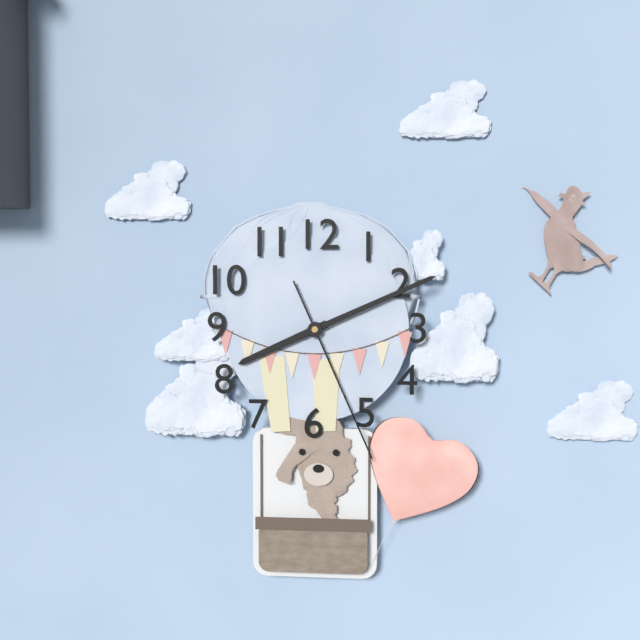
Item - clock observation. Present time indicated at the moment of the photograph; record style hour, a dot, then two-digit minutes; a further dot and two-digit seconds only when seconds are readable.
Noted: 8.11.26
